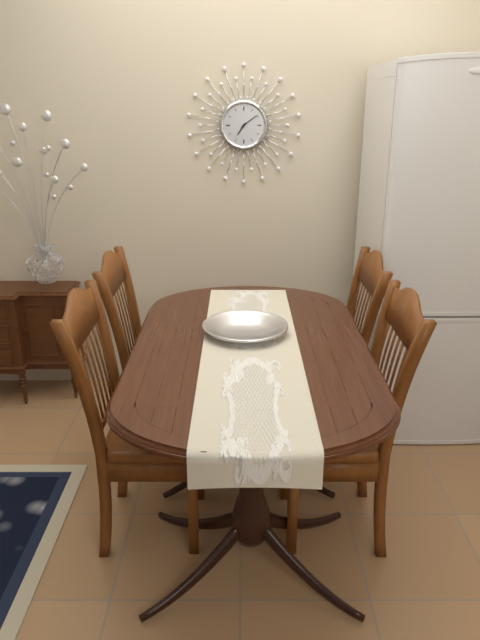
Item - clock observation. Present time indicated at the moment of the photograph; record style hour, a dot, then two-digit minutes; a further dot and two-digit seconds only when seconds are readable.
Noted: 7.09
